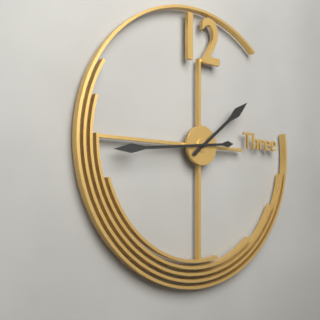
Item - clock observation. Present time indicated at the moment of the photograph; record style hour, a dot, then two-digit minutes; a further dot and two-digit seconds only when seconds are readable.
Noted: 1.44
